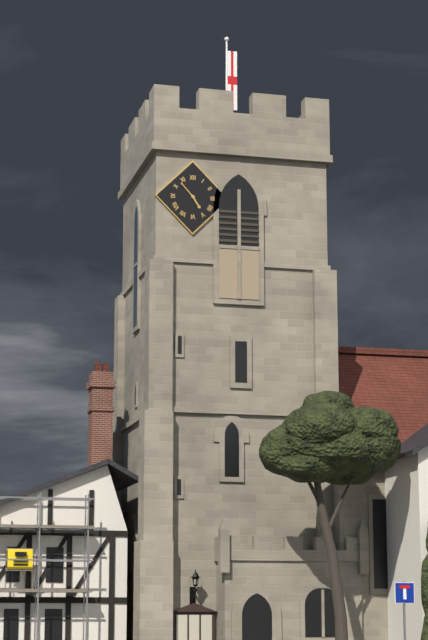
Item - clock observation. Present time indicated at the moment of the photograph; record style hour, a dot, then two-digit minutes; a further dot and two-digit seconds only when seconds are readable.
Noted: 4.53
